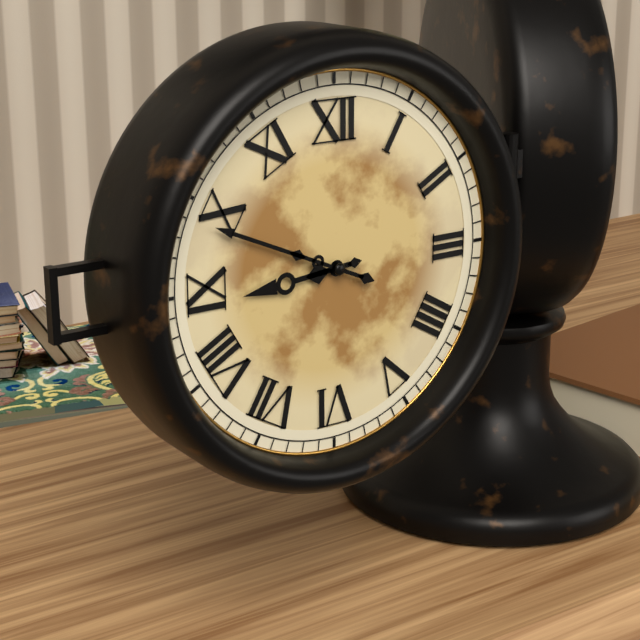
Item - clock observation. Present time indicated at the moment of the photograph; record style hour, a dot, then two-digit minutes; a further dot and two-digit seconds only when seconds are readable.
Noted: 8.49
